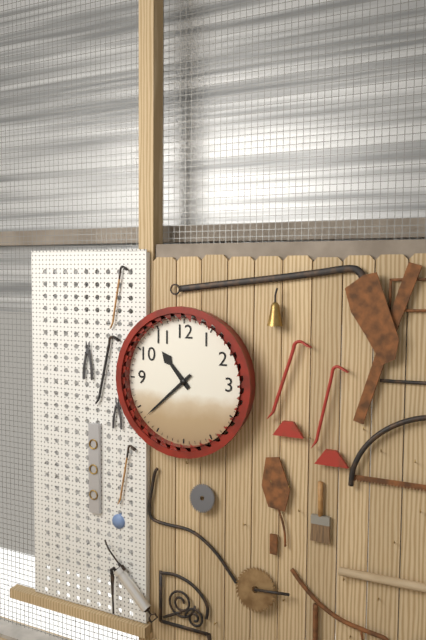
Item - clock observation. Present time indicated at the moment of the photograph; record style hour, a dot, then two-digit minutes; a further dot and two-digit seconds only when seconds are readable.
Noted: 10.38
